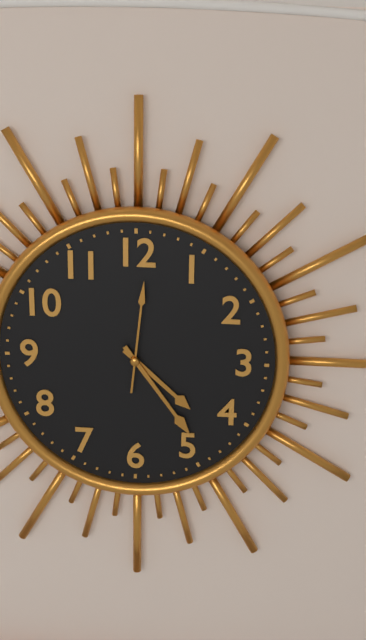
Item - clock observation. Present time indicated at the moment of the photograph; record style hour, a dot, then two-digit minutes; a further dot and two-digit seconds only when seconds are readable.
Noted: 4.24.01
